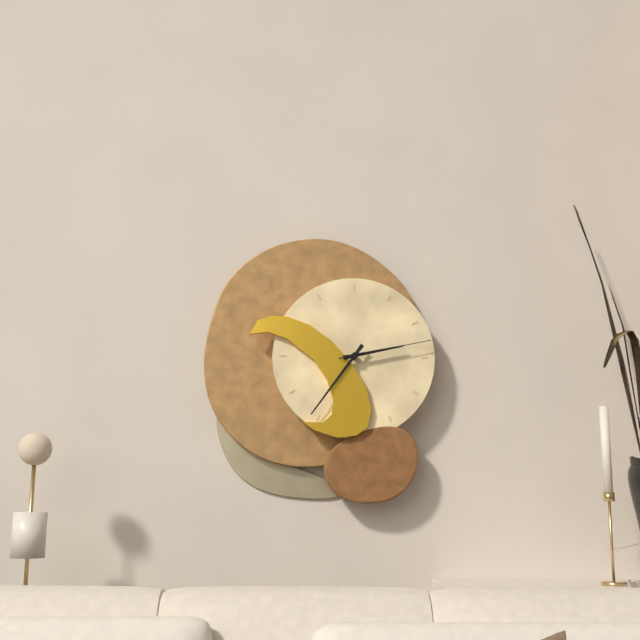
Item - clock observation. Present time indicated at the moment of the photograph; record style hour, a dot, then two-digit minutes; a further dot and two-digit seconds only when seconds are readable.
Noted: 2.36.13
